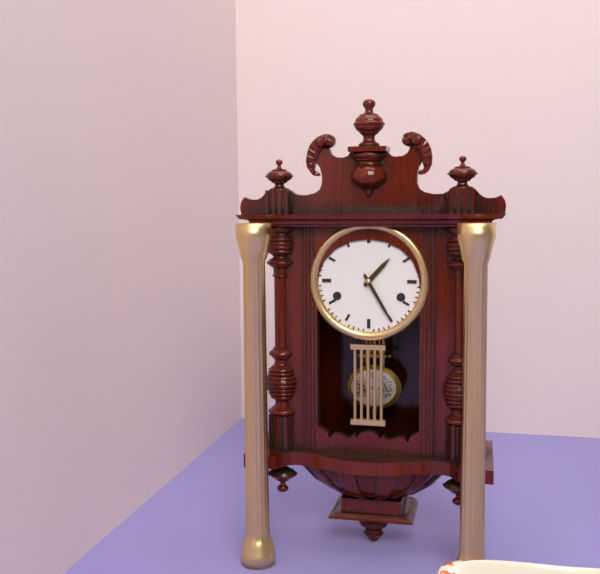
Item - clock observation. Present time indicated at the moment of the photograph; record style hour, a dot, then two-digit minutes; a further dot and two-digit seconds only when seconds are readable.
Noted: 1.25
